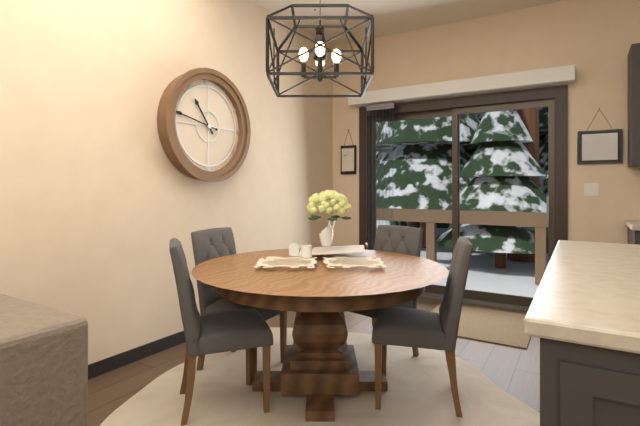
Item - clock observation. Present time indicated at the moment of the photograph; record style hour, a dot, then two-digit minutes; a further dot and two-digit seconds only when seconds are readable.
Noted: 10.47
